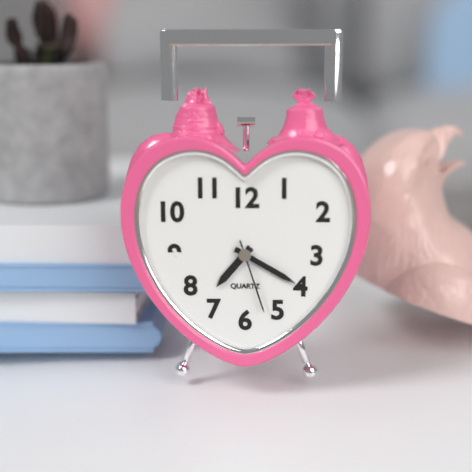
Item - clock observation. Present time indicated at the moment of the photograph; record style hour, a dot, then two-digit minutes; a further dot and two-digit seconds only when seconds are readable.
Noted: 7.20.27
